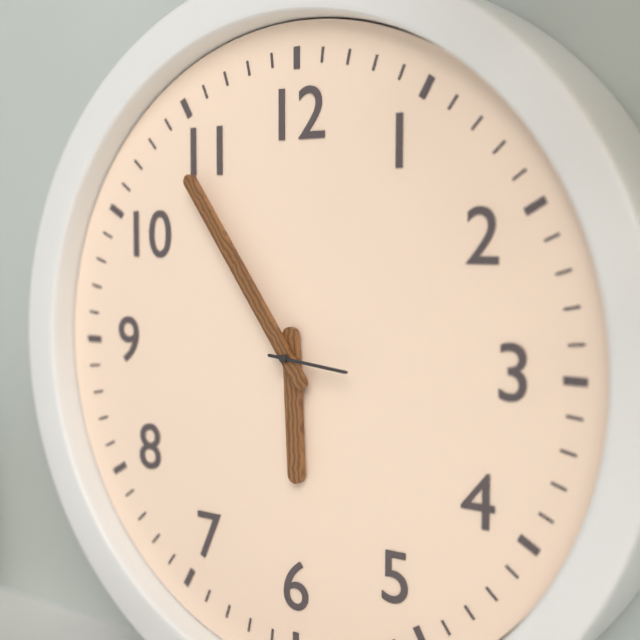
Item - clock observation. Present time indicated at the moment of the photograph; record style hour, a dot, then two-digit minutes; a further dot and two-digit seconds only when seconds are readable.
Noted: 5.54.16
